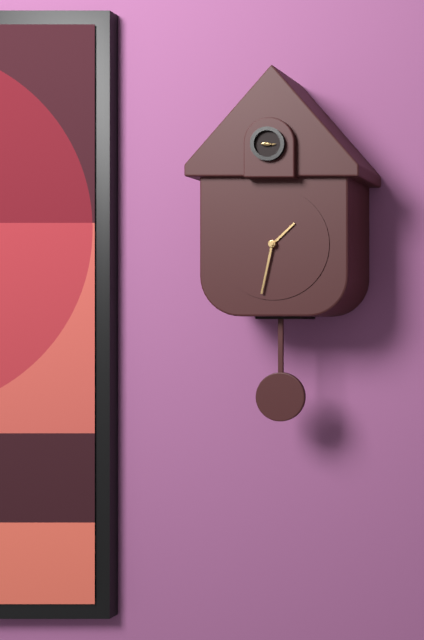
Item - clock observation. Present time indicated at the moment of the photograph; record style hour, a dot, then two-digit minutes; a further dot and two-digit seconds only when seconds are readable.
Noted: 1.32
